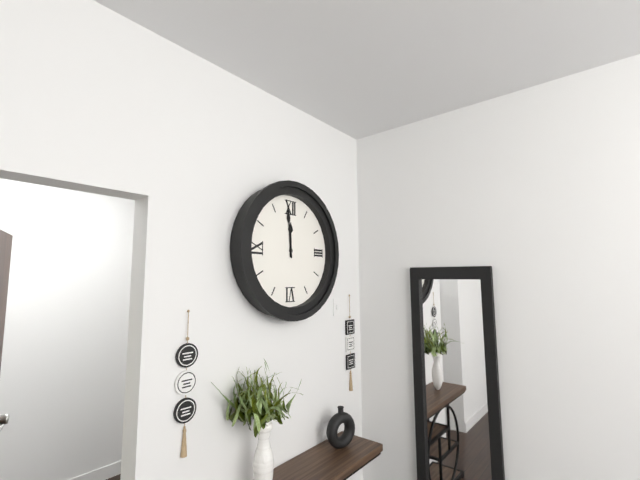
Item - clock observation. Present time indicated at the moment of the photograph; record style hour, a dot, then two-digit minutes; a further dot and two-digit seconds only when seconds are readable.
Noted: 11.59
